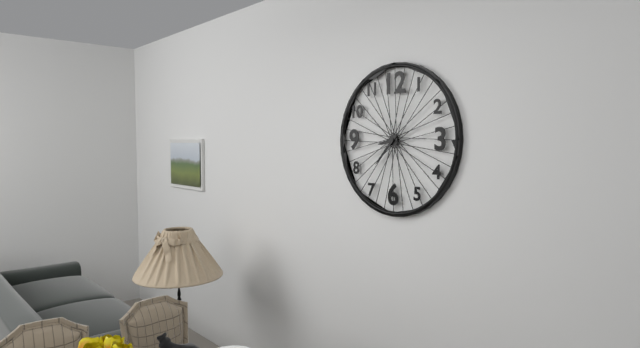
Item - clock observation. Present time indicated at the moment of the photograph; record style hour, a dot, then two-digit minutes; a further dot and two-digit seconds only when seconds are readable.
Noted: 8.37
